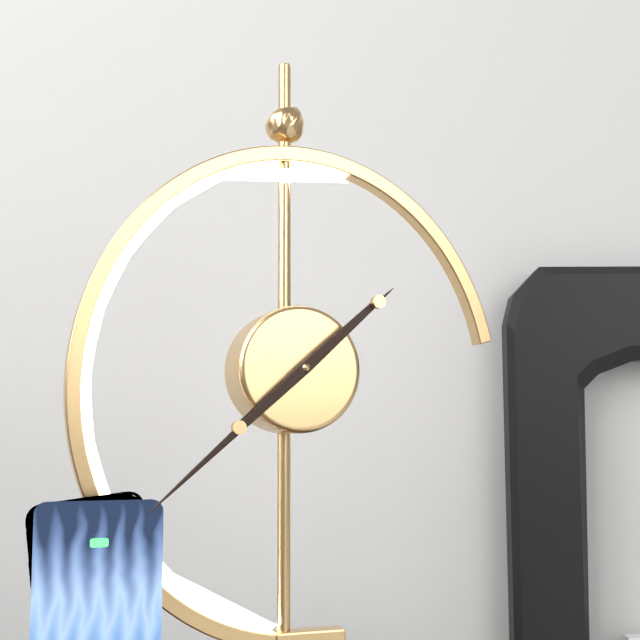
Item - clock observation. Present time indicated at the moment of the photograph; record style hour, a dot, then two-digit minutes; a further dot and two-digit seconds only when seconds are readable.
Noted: 1.38
